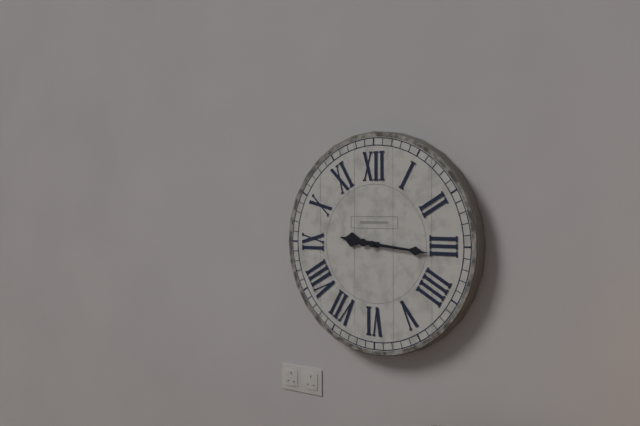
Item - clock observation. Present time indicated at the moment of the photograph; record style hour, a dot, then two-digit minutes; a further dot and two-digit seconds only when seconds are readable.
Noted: 9.16
